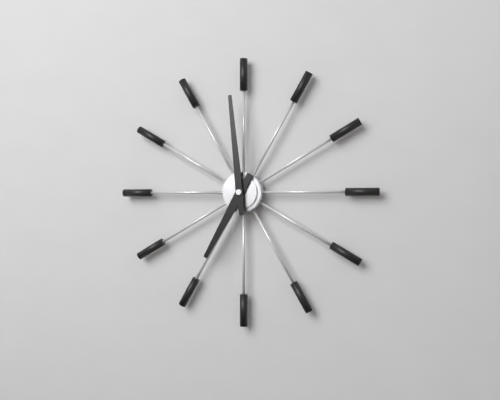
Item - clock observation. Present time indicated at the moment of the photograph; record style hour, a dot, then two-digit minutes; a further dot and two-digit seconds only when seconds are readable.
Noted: 6.59
